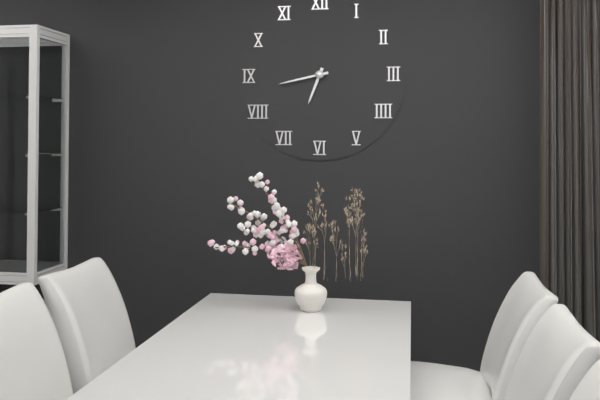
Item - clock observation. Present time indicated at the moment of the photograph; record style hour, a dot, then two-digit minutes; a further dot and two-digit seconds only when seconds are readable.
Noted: 6.43
